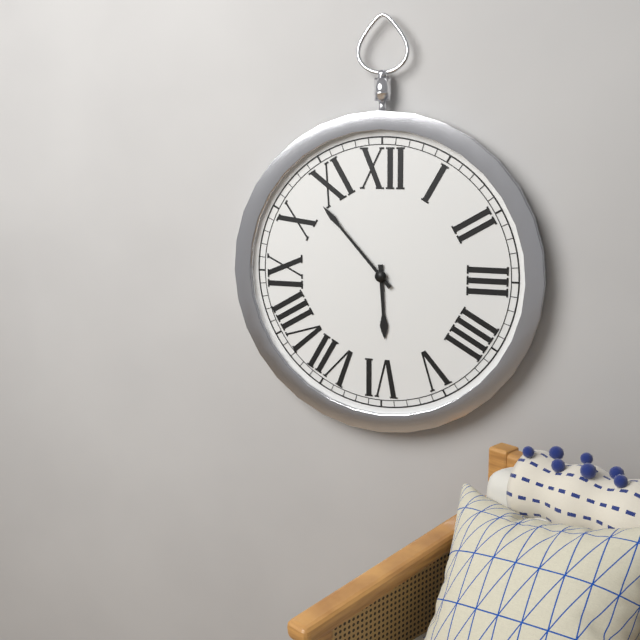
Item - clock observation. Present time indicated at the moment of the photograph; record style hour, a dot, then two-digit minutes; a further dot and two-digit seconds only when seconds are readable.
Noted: 5.53
